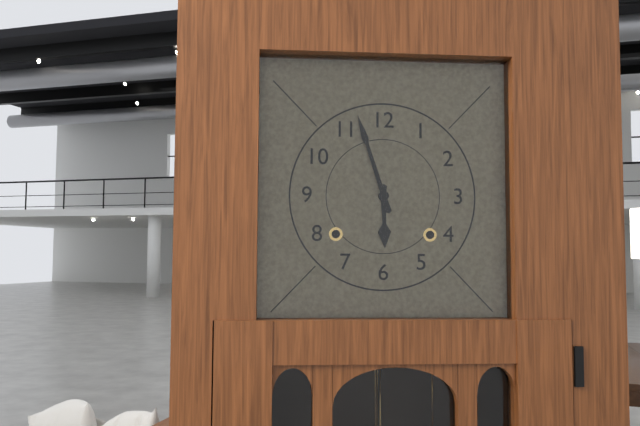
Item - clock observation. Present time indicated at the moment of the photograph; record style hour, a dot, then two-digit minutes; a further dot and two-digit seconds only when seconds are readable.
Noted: 5.57
